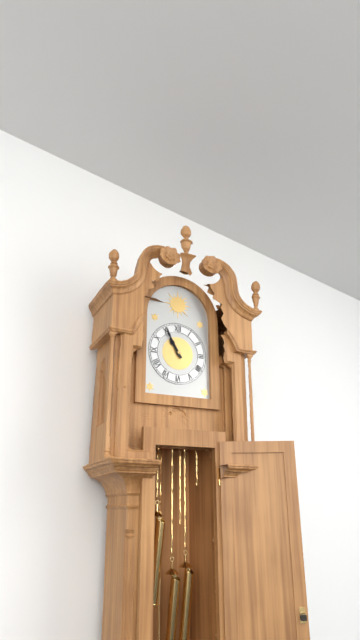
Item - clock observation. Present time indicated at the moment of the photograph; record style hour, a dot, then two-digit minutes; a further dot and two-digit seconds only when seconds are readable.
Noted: 10.55
